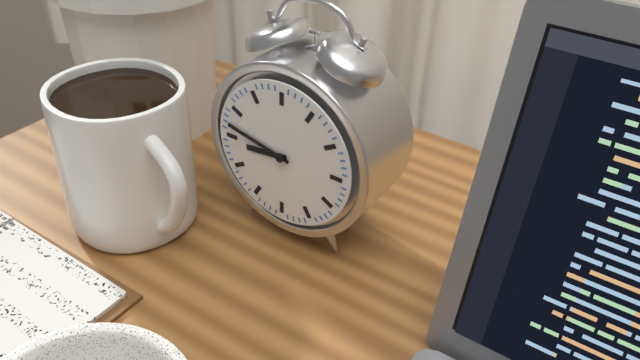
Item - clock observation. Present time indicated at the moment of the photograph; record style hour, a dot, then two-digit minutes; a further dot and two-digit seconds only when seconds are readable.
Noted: 8.47
